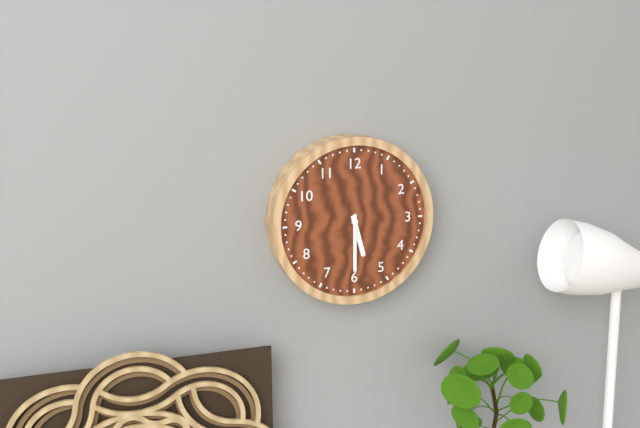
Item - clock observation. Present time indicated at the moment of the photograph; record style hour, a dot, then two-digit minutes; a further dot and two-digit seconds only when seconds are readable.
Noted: 5.30
